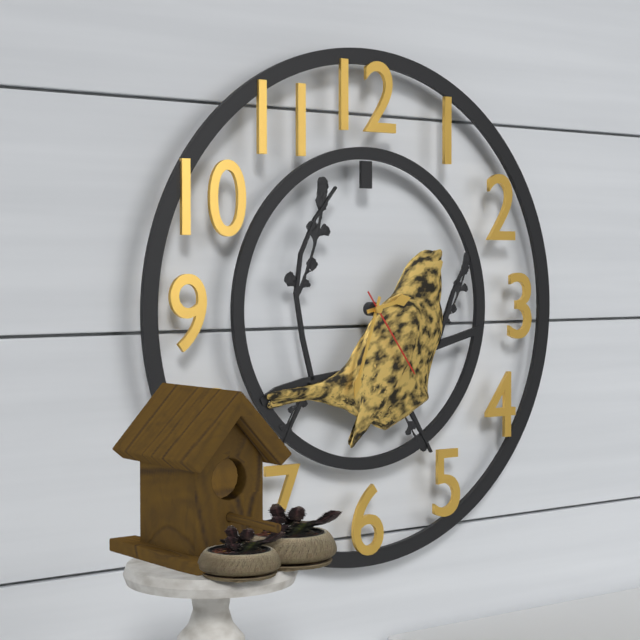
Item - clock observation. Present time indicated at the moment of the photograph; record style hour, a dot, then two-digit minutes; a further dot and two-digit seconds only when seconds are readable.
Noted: 2.33.24
